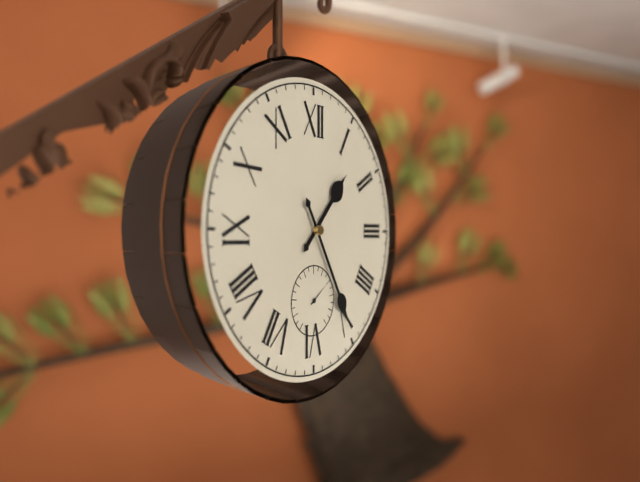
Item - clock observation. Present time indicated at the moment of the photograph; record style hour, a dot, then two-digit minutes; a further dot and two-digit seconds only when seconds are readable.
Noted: 1.25
